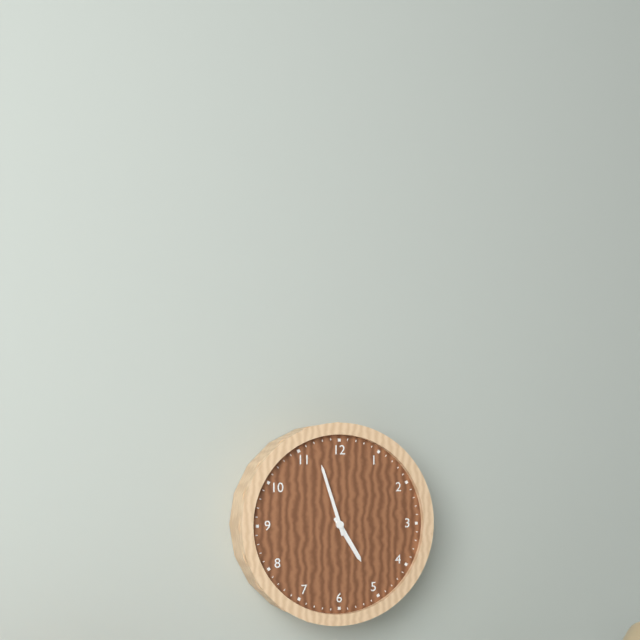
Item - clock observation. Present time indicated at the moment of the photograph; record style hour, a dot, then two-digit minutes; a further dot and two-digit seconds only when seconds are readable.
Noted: 4.57
